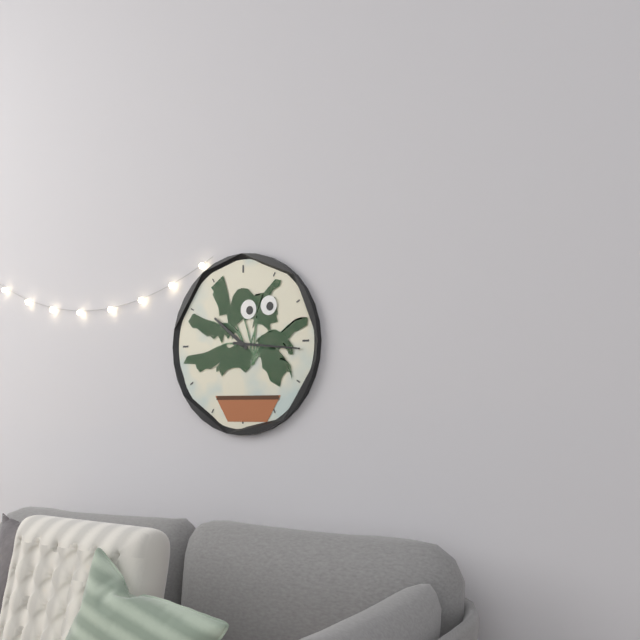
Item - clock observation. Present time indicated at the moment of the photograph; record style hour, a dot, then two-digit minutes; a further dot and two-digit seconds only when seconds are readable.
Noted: 10.16
